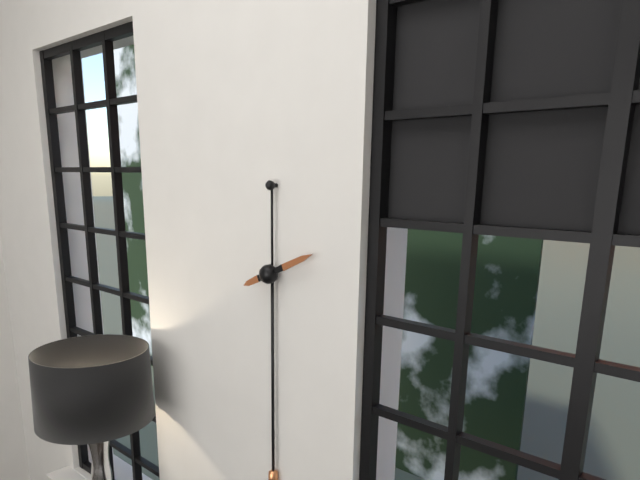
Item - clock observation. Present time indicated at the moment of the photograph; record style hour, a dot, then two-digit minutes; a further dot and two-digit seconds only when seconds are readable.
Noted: 8.11
